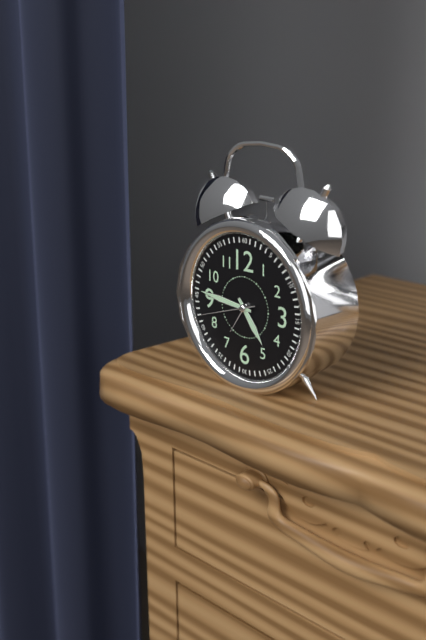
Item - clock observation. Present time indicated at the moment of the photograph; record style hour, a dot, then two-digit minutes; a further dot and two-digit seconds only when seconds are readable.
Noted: 4.46.42
